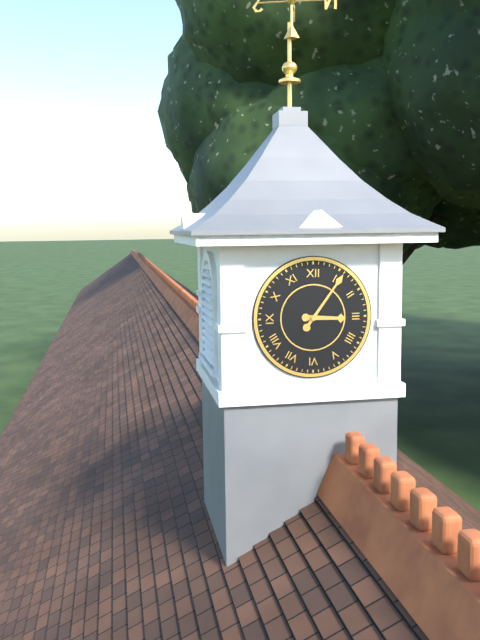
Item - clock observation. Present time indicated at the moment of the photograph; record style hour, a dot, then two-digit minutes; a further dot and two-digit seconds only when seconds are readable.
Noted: 3.06
